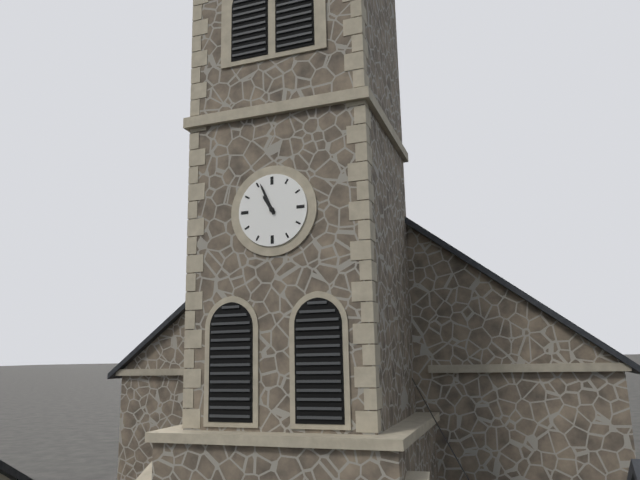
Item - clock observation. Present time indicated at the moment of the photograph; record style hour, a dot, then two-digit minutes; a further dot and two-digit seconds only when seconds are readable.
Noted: 10.56
